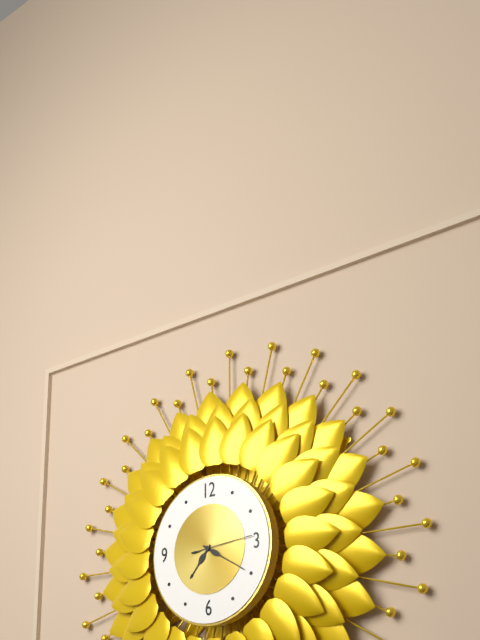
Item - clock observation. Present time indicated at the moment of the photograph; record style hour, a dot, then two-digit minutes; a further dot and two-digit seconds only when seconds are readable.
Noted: 7.20.14
